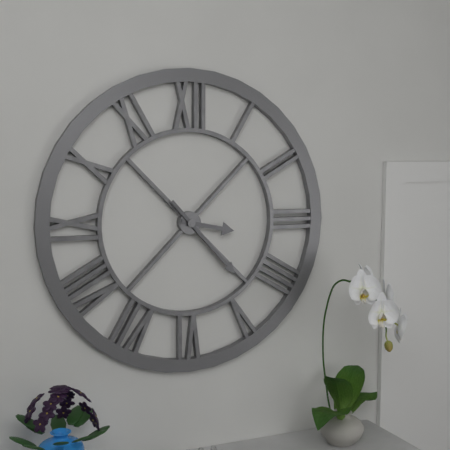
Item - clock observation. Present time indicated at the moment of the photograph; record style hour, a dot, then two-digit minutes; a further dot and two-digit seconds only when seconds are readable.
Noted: 3.23
